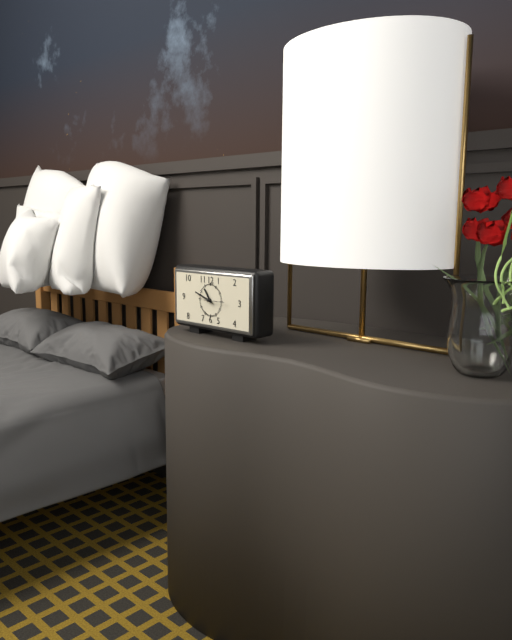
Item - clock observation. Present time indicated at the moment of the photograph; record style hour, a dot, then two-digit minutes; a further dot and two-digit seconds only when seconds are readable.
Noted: 10.48
